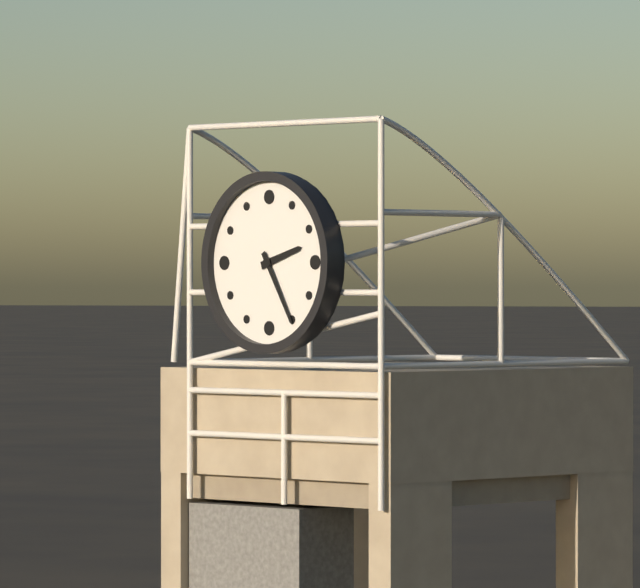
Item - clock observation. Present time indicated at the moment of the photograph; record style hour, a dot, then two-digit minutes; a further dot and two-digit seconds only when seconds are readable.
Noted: 2.25
